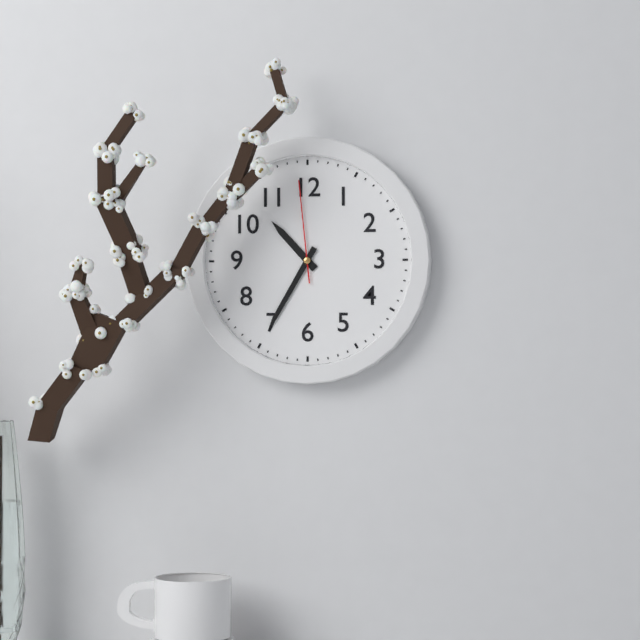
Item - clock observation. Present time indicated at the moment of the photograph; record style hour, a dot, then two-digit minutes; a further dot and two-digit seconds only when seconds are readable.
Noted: 10.35.59
